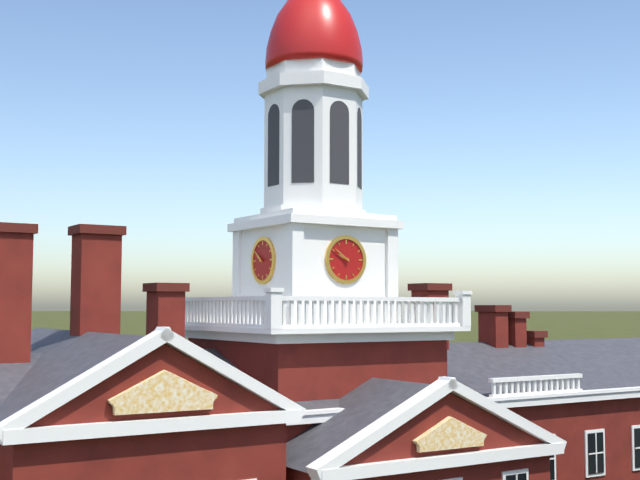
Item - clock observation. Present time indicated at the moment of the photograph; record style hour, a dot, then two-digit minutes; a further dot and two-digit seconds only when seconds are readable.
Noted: 9.51
